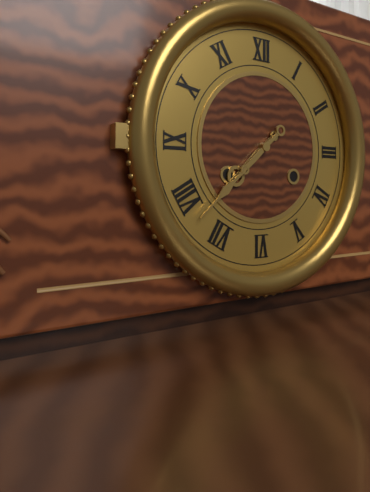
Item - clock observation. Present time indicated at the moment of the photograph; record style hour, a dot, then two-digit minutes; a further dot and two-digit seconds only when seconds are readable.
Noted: 7.38
